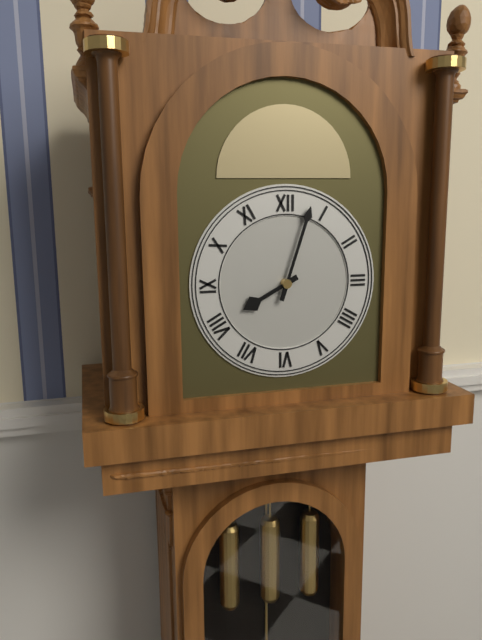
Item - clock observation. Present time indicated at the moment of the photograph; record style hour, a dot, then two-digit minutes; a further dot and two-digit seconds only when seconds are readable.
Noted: 8.03
